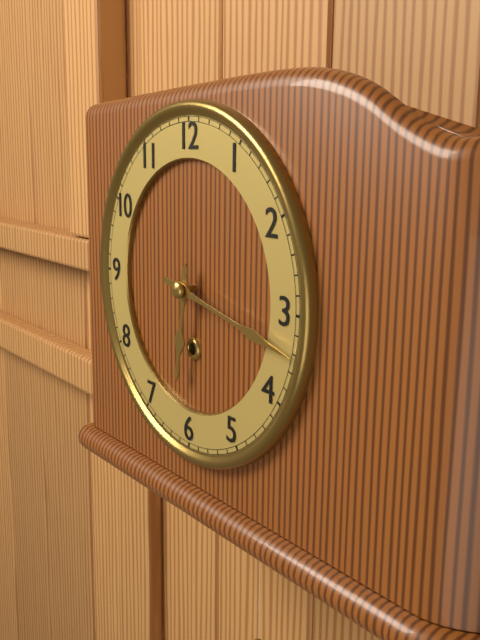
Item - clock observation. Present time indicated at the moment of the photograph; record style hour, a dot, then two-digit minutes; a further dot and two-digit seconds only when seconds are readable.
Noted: 6.17
